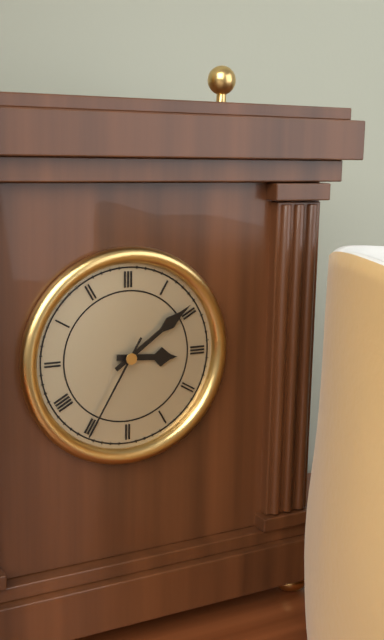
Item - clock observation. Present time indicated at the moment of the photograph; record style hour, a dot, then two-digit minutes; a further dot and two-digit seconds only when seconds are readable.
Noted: 3.09.35
